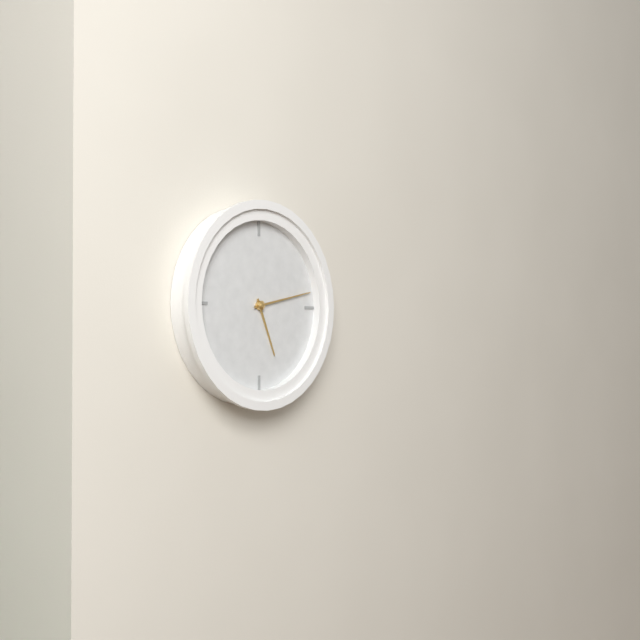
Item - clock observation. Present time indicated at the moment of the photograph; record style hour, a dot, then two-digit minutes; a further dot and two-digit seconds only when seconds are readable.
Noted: 5.13
